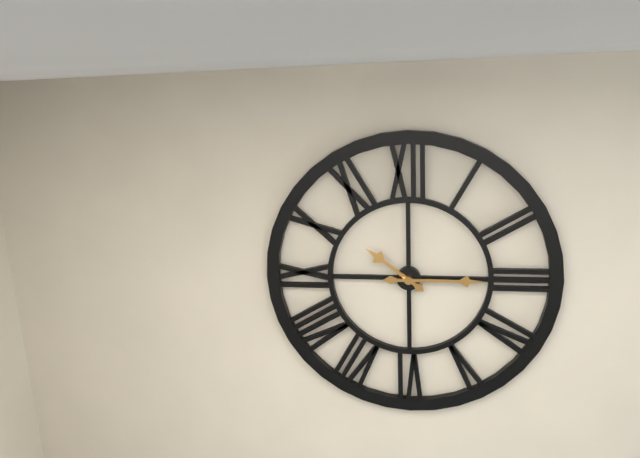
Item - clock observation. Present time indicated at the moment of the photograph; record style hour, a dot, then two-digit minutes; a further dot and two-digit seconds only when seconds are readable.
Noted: 10.15
